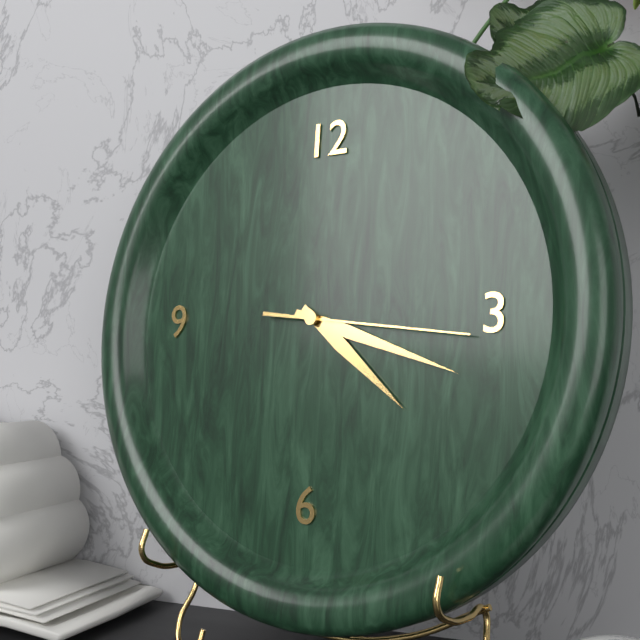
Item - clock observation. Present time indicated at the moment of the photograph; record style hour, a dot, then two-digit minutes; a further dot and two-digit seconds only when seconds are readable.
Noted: 4.18.16
